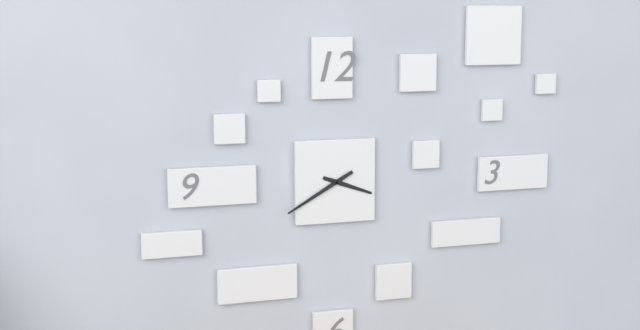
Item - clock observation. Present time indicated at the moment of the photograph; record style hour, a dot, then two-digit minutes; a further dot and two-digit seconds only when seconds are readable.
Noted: 3.40
